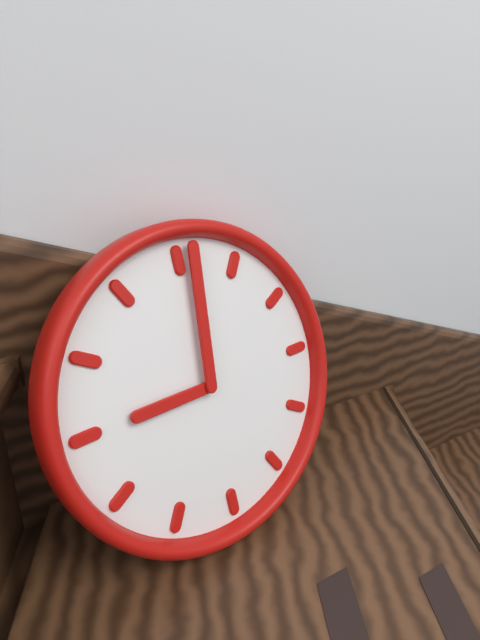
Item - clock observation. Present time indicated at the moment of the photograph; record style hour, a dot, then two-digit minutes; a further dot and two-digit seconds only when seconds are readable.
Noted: 9.01
